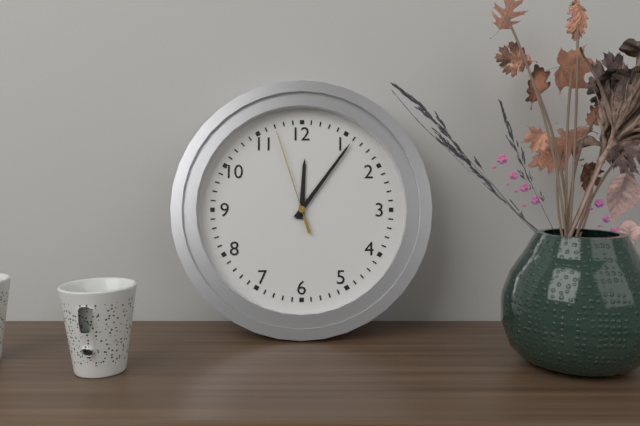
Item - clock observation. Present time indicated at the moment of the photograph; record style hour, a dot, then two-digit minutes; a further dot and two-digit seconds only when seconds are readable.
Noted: 12.06.57
